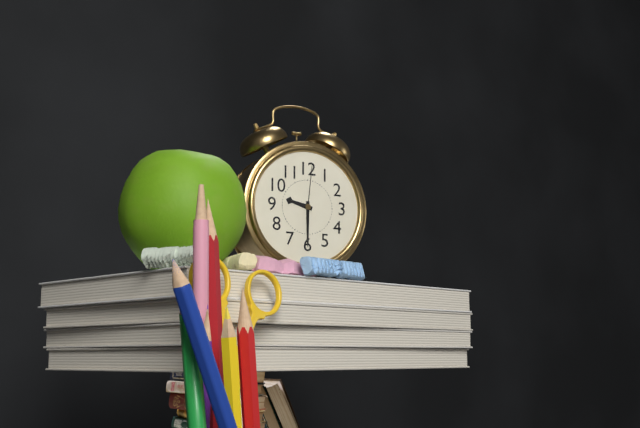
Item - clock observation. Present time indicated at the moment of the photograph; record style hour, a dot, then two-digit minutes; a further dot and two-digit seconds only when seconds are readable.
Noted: 9.30.01
